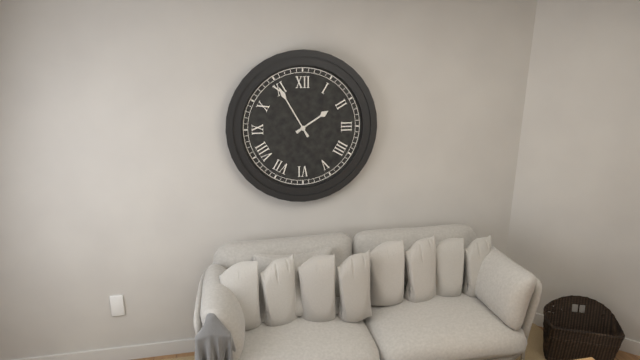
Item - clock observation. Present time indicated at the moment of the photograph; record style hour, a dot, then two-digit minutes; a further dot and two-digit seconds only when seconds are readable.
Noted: 1.55
